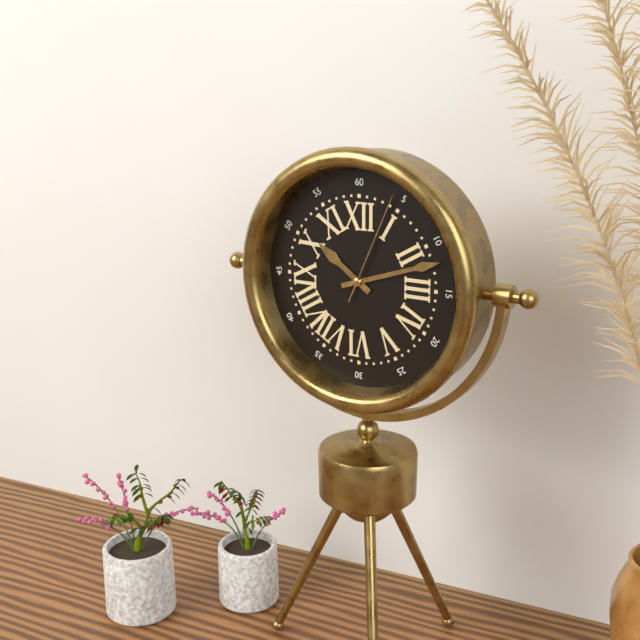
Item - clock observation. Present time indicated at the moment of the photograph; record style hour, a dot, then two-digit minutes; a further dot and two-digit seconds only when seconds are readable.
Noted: 10.12.04
